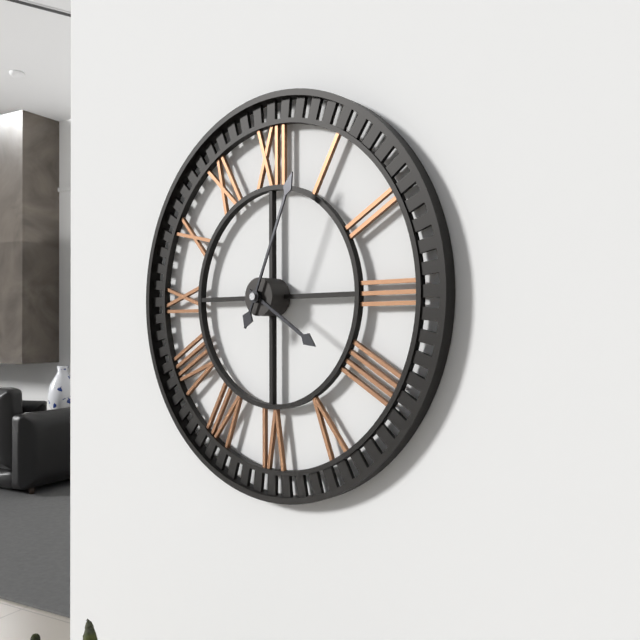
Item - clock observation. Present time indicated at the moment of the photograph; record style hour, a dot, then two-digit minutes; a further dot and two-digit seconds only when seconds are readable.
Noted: 4.04
